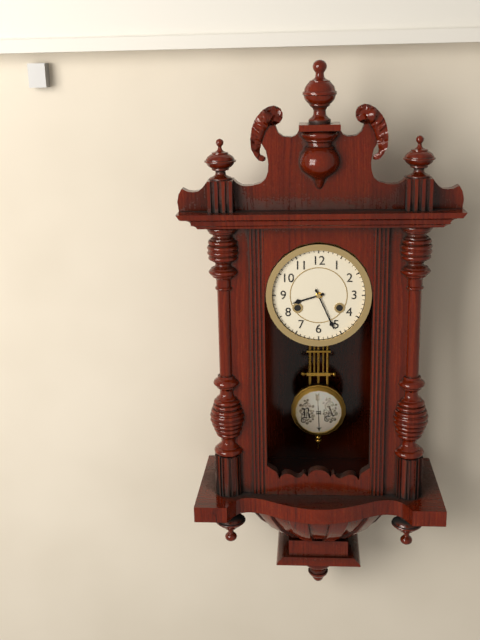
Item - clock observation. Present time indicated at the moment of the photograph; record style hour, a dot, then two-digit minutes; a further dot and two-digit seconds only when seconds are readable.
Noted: 8.26
